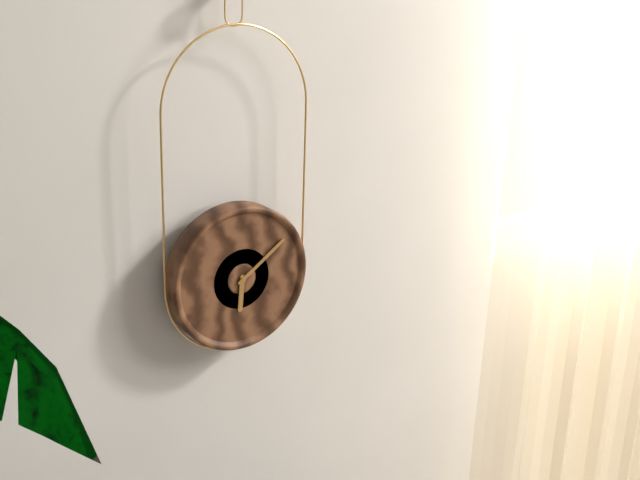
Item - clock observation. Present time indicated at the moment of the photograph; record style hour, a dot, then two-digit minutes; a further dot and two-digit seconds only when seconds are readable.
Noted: 6.09
